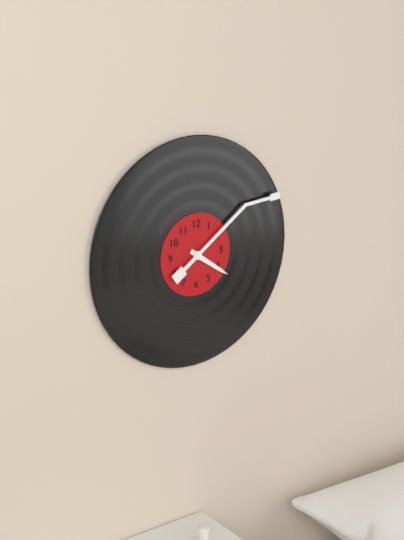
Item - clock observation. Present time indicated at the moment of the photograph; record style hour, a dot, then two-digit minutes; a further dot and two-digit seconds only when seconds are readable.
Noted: 4.09
